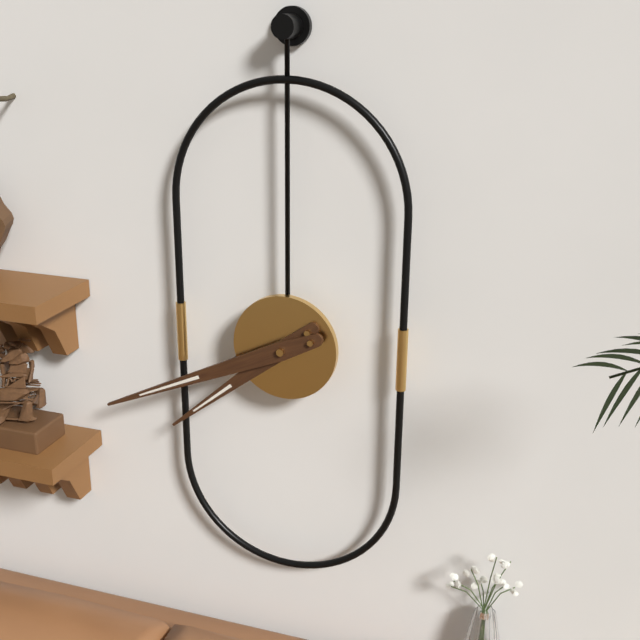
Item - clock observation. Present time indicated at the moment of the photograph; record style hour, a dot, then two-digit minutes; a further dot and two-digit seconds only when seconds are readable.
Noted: 7.41
